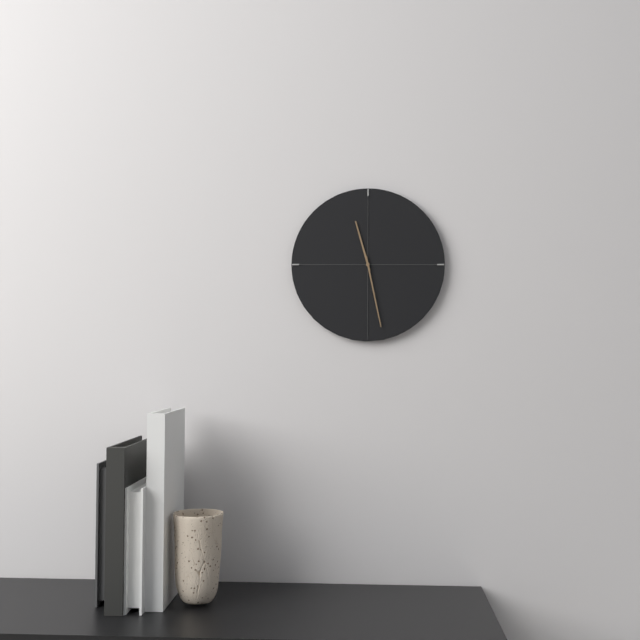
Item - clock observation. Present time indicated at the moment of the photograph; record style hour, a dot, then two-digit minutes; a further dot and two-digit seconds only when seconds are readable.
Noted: 11.28
